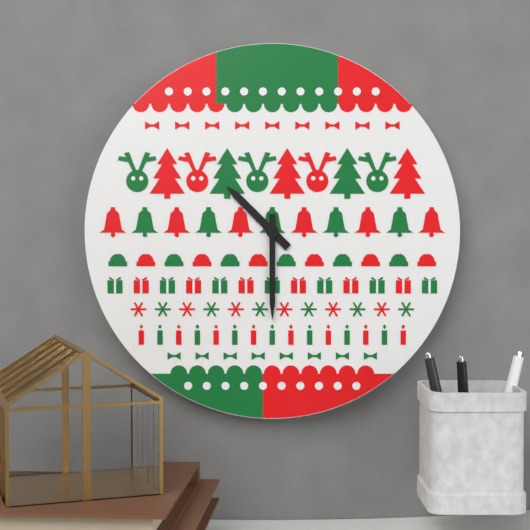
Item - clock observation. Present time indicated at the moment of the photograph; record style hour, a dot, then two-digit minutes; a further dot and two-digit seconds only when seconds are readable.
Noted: 10.30
